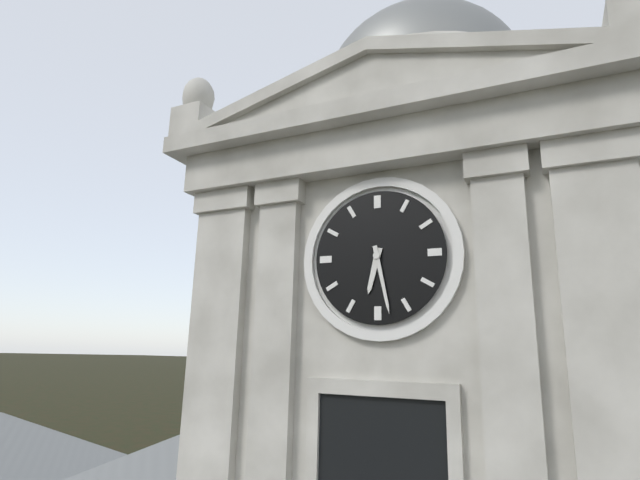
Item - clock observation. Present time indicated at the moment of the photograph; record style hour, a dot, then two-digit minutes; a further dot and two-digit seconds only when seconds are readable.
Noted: 6.28
